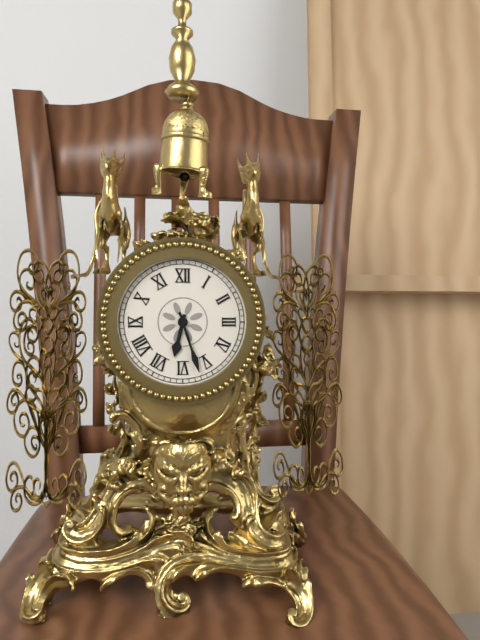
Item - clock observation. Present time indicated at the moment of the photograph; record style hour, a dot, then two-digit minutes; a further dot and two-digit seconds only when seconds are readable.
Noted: 6.27
